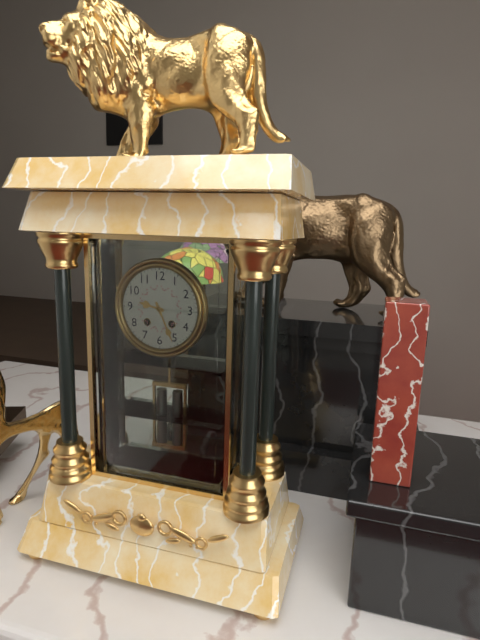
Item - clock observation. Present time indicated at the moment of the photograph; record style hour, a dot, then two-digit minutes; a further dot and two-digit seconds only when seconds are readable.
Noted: 9.26
